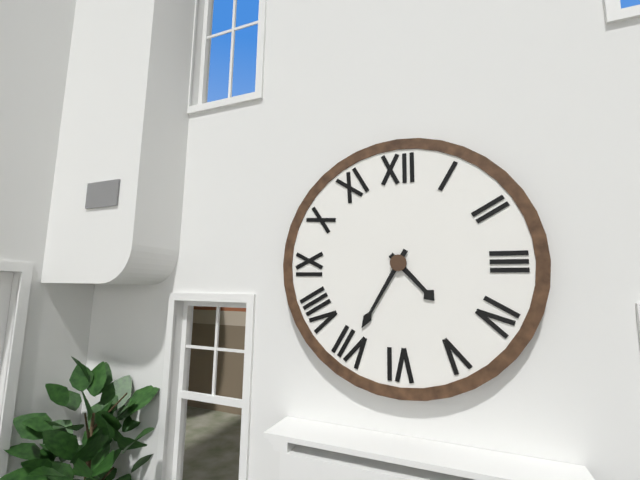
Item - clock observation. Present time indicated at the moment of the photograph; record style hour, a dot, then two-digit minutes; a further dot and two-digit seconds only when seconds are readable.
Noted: 4.35
